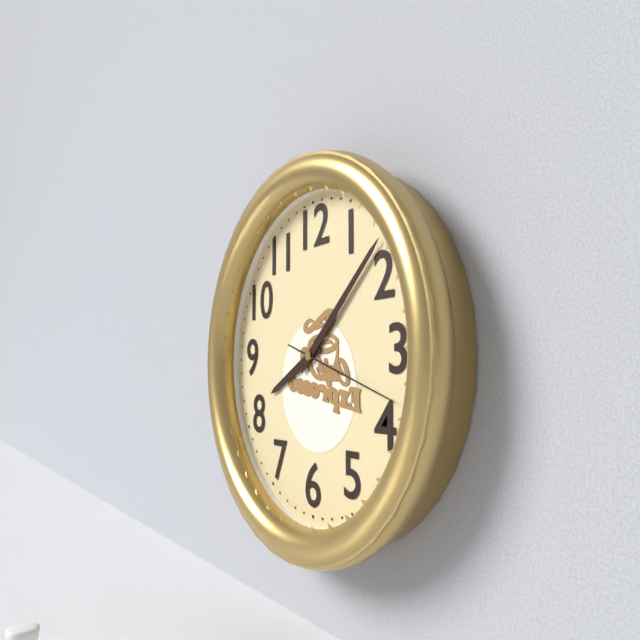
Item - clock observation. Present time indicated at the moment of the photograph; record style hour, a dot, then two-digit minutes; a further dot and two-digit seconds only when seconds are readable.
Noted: 8.08.18
